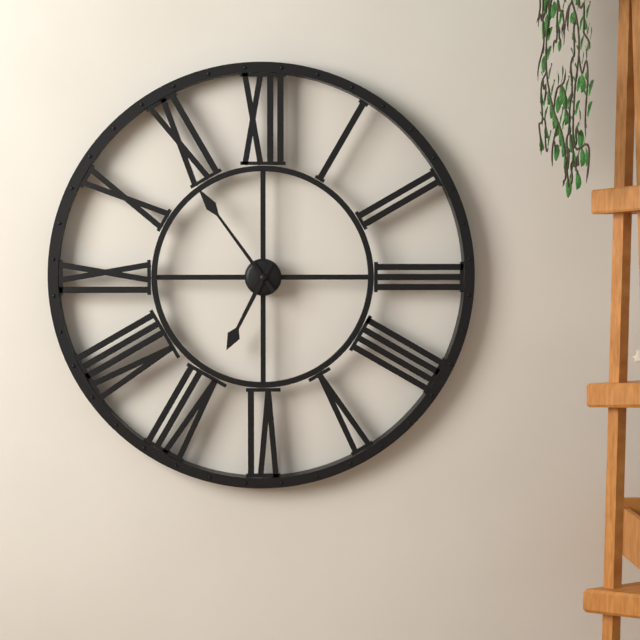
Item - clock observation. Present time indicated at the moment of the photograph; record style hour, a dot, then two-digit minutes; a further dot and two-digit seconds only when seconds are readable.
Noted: 6.54
